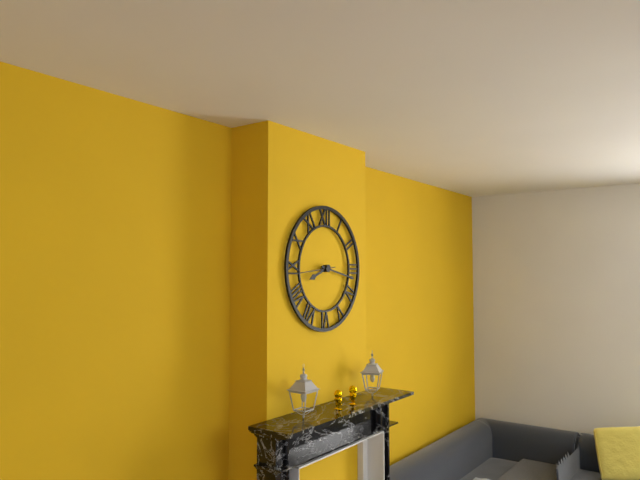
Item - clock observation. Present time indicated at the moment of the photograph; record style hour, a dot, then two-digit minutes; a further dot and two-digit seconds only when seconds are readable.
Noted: 8.17
